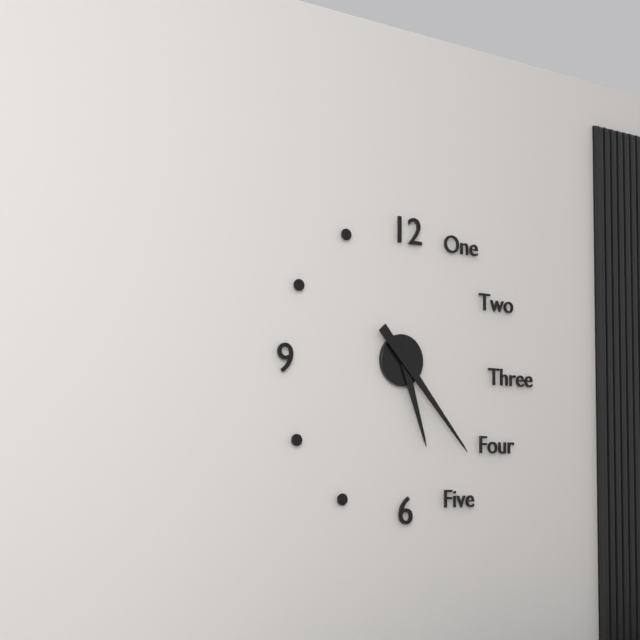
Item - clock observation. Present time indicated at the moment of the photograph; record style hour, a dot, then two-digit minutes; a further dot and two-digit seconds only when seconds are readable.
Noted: 5.23
